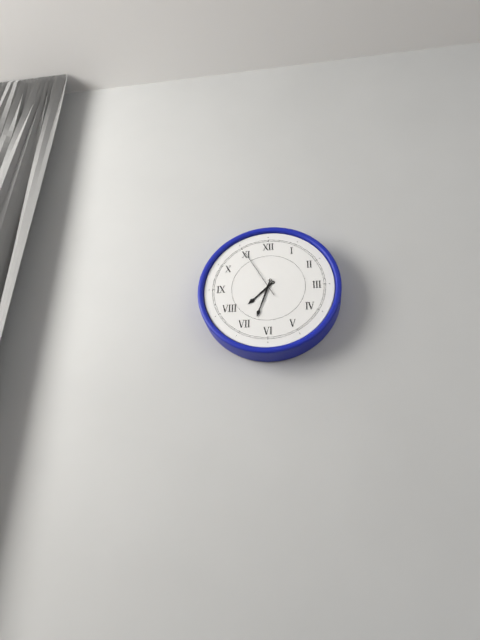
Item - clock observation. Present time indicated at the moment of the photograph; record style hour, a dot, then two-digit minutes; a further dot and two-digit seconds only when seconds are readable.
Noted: 7.33.55
